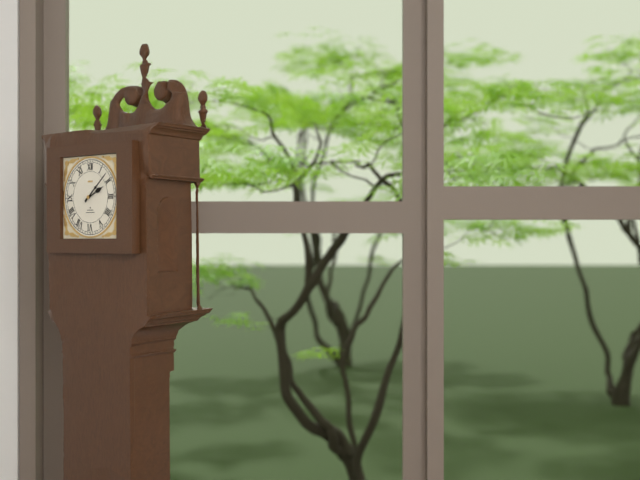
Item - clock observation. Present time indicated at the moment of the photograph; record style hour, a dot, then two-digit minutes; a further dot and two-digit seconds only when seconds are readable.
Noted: 2.08
